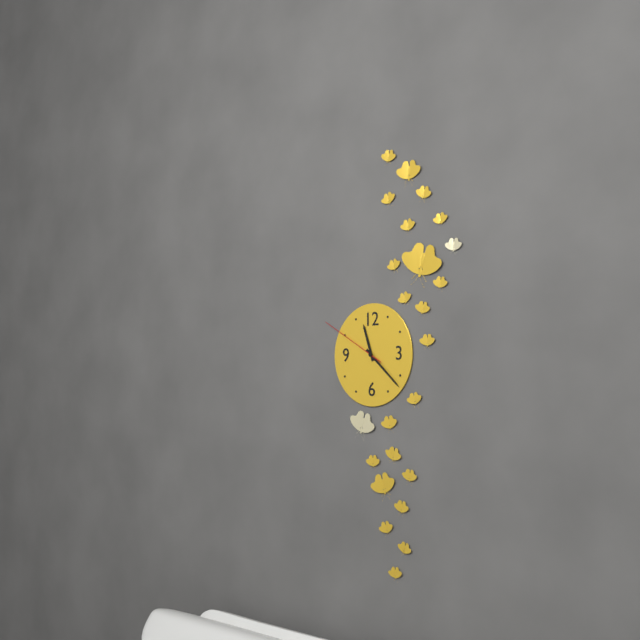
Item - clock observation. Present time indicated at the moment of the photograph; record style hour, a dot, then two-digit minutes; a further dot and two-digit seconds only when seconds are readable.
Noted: 11.22.50
